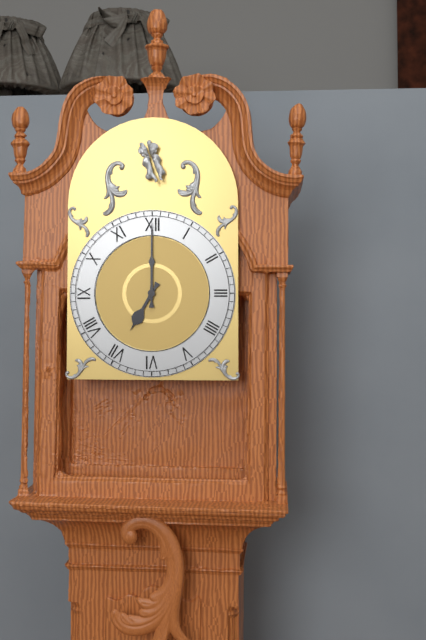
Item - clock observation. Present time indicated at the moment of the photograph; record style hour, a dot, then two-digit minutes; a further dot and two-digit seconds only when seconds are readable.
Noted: 7.00
